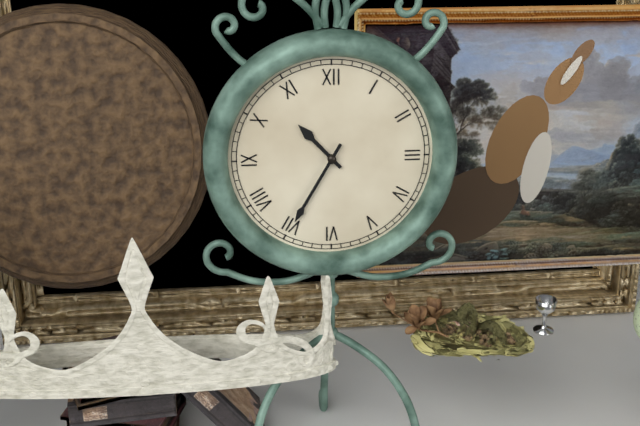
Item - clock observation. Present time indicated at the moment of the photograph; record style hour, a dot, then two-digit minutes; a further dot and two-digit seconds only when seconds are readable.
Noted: 10.35
